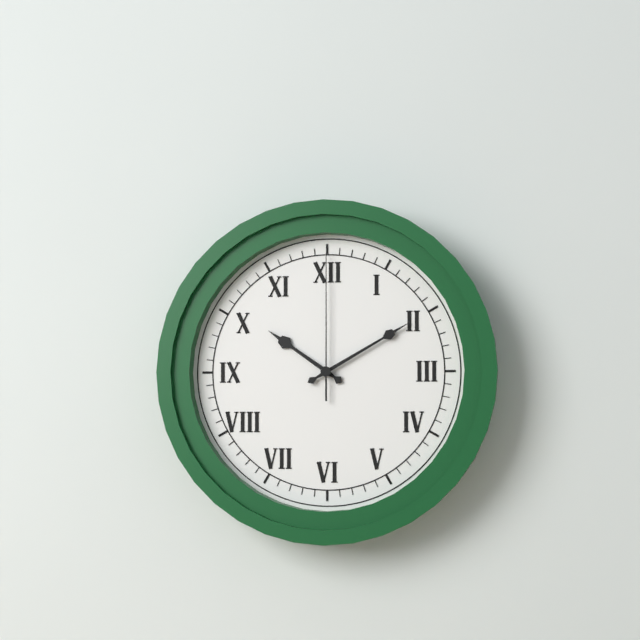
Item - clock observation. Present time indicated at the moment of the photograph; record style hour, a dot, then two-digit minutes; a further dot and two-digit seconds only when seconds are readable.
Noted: 10.10.00
